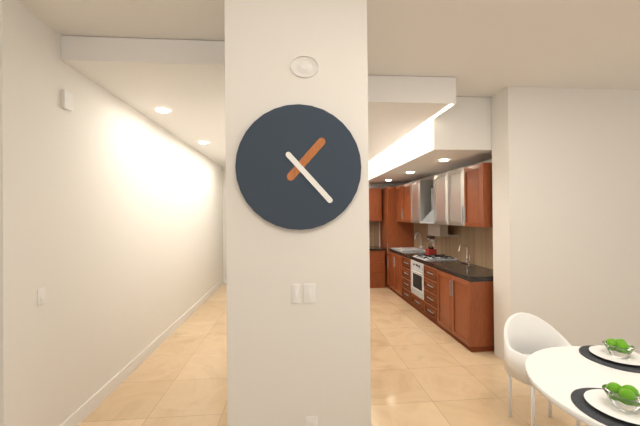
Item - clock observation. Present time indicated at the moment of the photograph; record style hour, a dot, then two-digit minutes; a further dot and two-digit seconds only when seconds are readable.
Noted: 1.23
